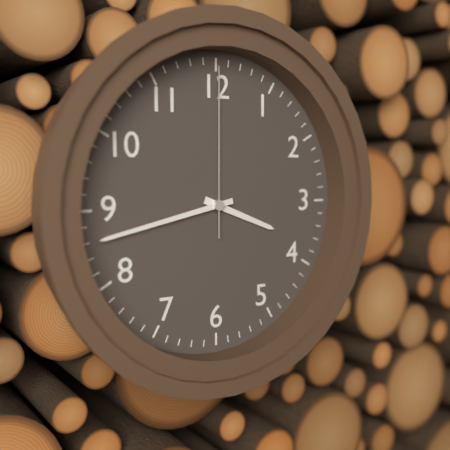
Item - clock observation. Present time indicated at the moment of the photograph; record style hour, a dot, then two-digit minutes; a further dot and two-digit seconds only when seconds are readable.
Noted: 3.43.00
